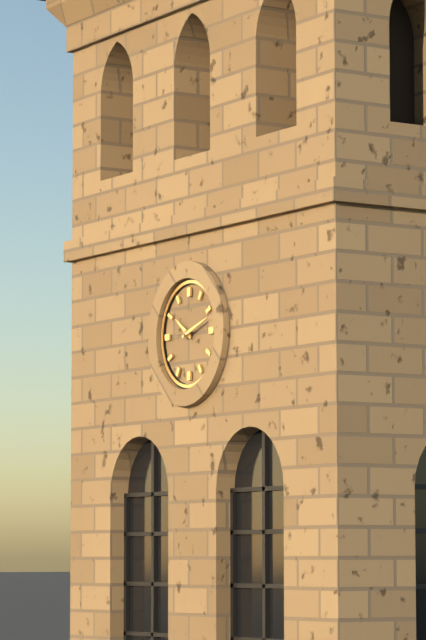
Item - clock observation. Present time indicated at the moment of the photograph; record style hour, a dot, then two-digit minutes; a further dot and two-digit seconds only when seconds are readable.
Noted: 10.12
